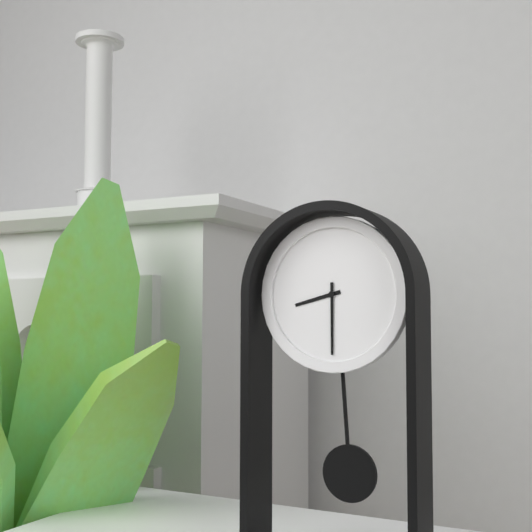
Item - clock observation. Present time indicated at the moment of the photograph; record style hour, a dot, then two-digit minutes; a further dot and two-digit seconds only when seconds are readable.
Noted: 8.30
